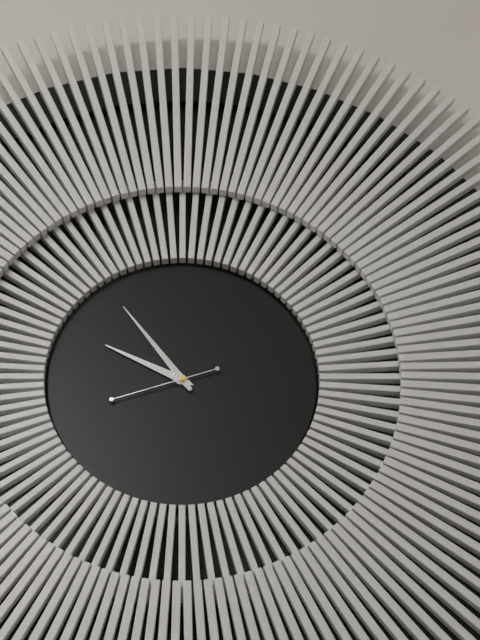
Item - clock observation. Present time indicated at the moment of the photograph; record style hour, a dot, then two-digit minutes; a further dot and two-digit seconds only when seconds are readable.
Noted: 9.54.42
